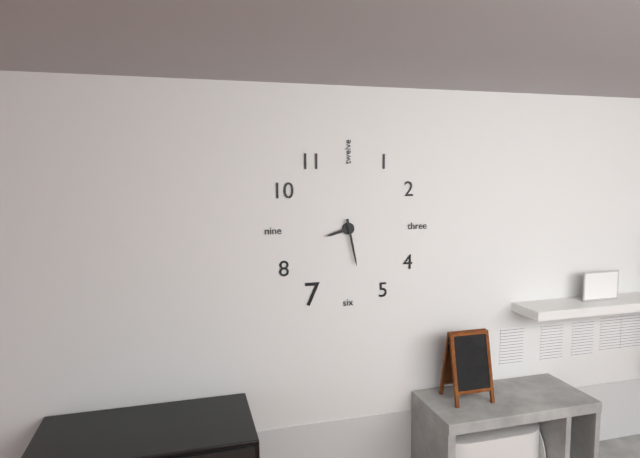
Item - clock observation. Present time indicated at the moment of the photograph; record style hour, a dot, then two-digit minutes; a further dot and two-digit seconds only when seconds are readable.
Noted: 8.28
